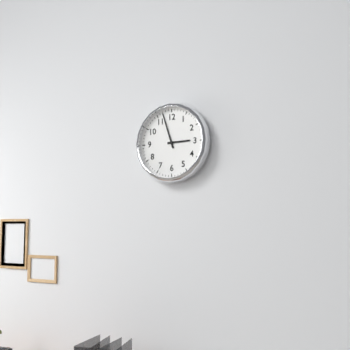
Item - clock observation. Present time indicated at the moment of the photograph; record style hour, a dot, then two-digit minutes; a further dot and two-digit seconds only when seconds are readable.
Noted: 2.57
